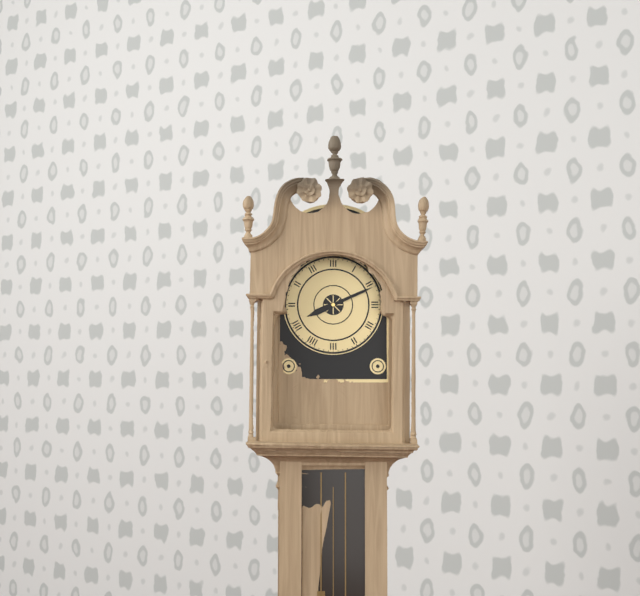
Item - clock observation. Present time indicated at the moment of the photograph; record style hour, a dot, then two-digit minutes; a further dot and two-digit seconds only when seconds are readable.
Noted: 8.11
